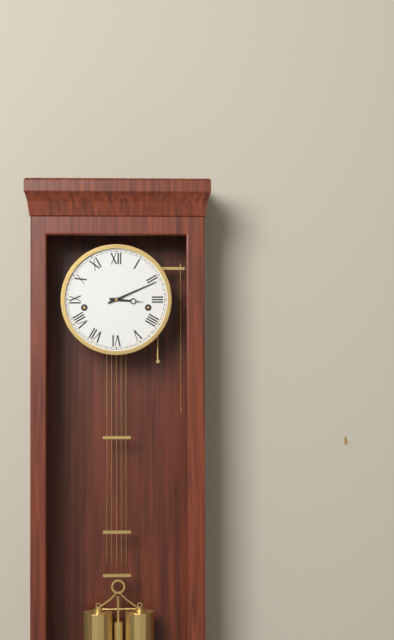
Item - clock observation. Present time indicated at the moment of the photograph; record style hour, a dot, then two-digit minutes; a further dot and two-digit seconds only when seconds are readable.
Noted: 3.11
